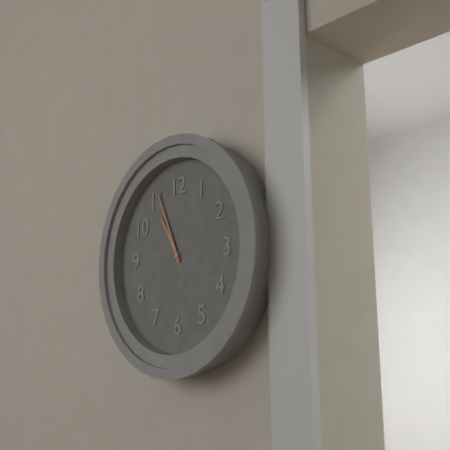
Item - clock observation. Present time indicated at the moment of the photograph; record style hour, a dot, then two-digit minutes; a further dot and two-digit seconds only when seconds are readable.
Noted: 10.56
